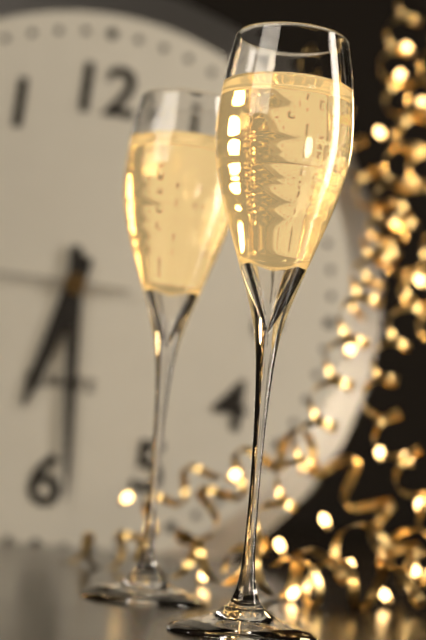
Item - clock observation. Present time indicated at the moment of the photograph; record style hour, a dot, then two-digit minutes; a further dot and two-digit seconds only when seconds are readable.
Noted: 6.29
